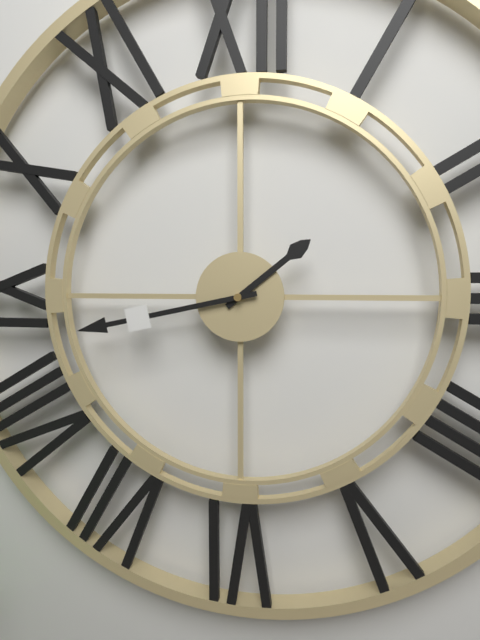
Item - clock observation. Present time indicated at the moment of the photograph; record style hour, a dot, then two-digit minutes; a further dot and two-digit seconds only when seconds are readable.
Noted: 1.43
